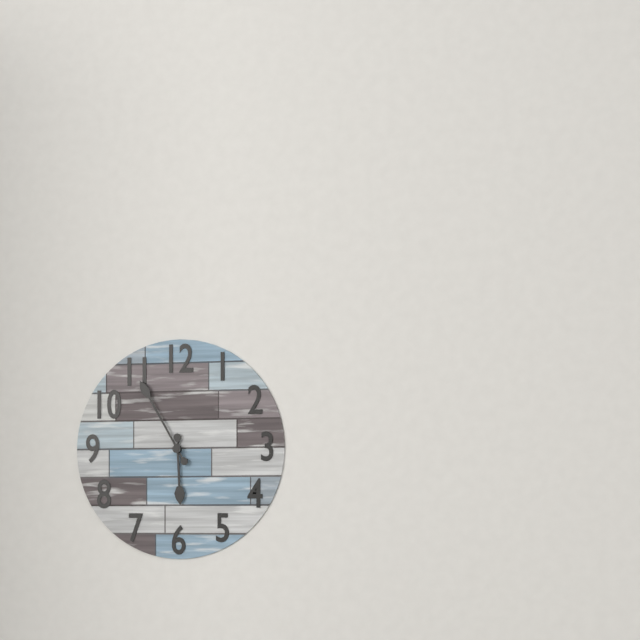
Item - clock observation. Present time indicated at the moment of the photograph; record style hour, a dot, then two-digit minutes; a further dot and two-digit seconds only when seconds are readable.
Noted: 5.55
